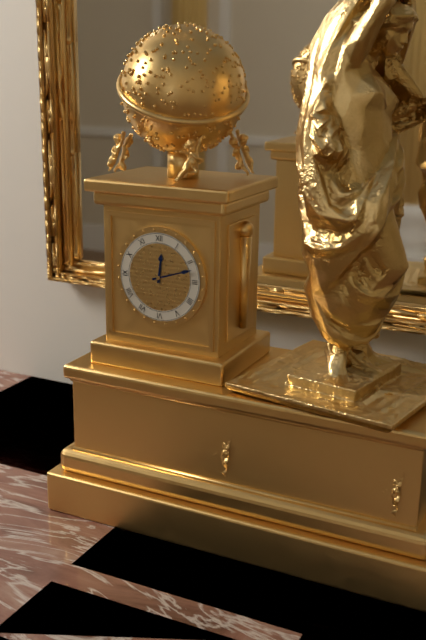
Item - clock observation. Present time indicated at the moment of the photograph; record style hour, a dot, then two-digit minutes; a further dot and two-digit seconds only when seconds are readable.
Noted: 12.12
